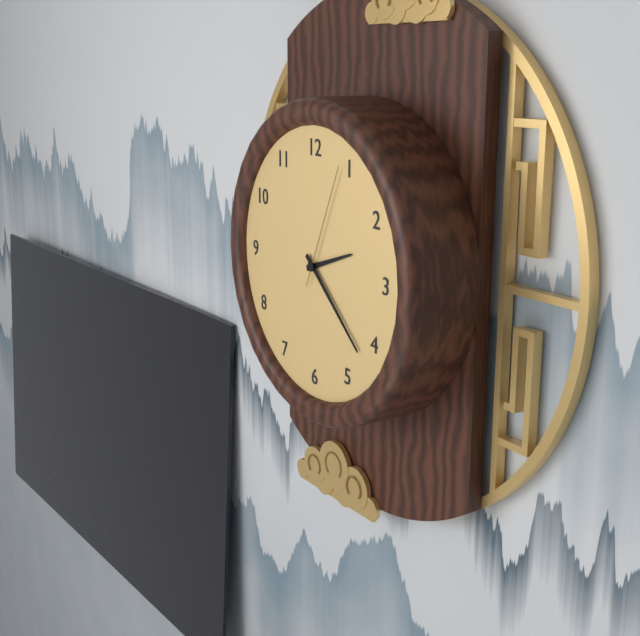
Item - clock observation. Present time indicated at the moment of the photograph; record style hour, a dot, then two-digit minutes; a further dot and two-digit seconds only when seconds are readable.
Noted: 2.22.04
